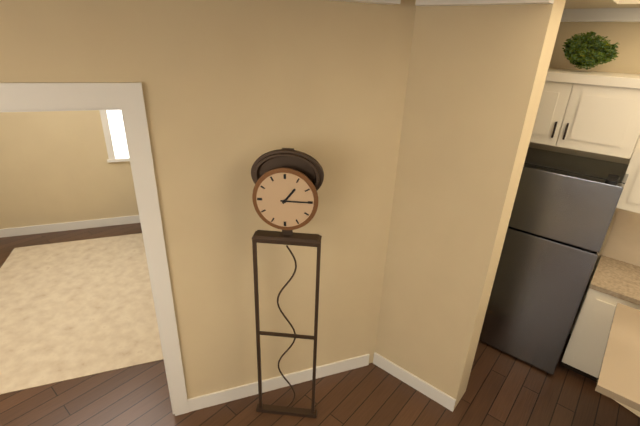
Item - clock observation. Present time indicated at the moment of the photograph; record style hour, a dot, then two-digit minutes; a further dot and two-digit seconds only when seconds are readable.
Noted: 1.15
